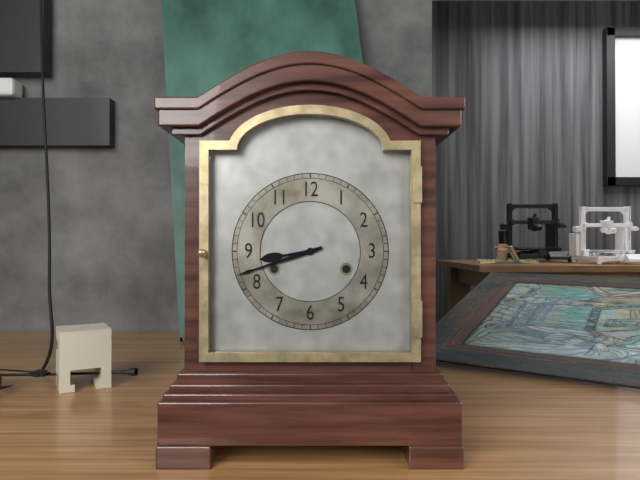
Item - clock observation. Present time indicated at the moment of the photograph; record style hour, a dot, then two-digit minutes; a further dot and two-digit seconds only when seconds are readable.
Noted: 8.42
